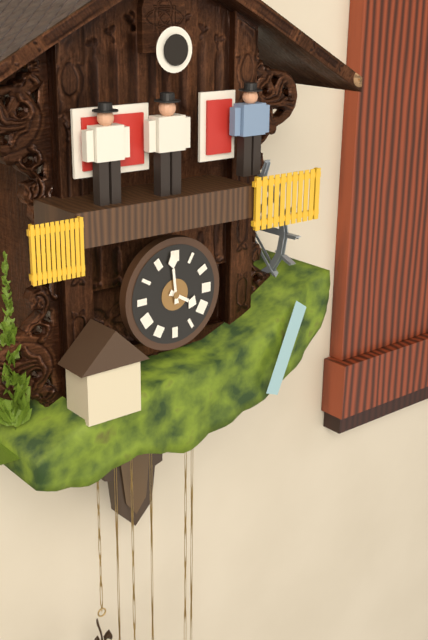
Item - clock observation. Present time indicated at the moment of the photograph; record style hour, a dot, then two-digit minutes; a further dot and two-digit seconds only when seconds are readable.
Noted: 3.59
